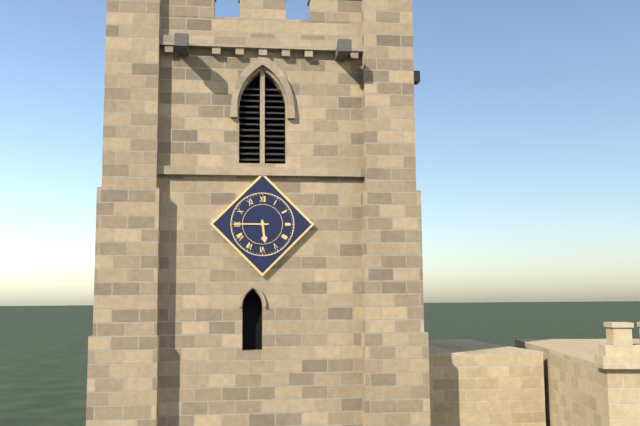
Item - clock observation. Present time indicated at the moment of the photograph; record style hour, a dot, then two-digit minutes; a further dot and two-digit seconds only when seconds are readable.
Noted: 5.45
